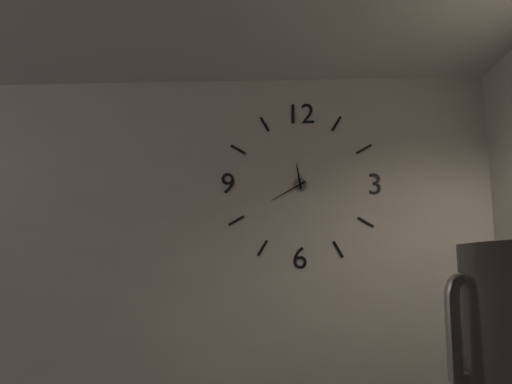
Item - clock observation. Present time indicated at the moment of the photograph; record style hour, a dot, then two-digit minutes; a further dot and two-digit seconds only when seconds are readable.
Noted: 11.40
